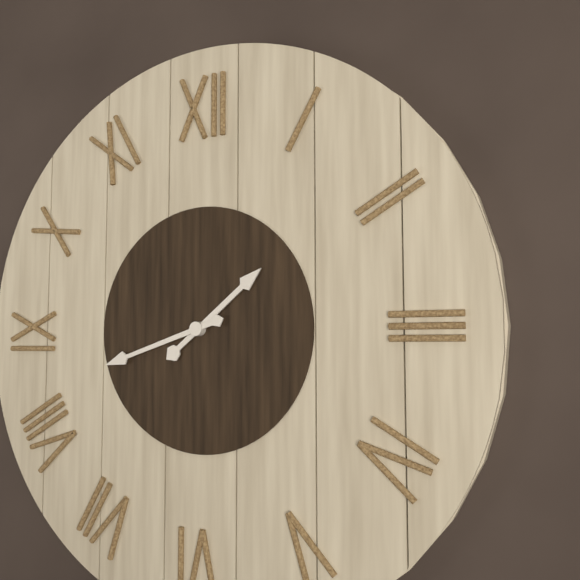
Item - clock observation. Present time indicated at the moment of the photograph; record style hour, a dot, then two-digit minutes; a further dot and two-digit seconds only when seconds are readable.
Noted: 1.42
